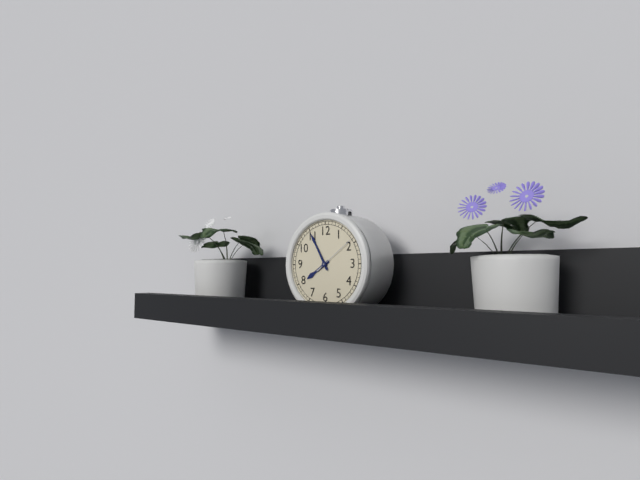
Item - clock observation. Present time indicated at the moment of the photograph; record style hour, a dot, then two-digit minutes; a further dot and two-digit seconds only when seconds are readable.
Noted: 7.55
